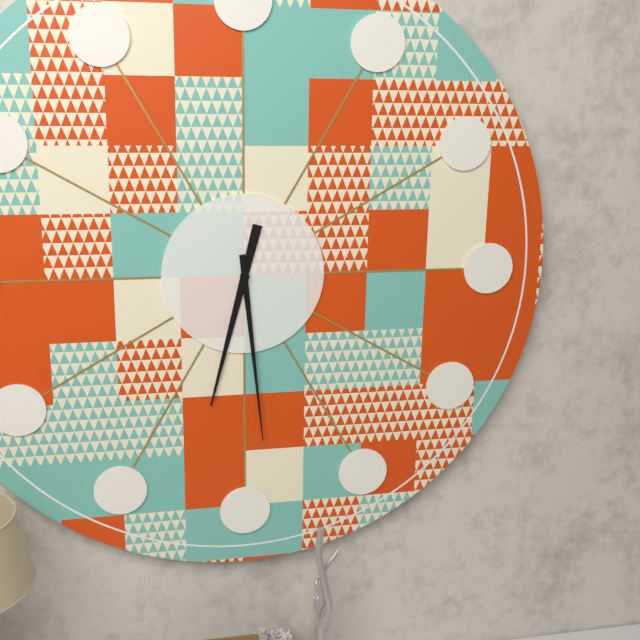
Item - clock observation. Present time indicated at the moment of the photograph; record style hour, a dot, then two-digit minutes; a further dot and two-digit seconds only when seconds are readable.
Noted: 6.29
